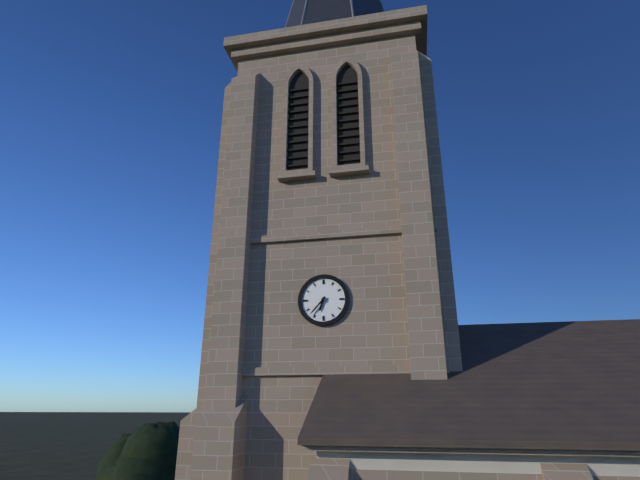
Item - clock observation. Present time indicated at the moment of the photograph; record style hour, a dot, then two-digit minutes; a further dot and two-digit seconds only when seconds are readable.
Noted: 6.37
